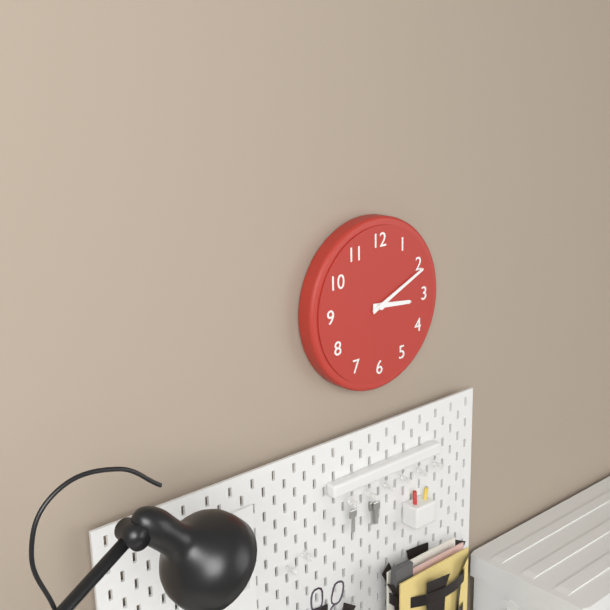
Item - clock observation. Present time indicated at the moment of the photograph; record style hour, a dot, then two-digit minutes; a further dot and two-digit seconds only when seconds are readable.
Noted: 3.11
